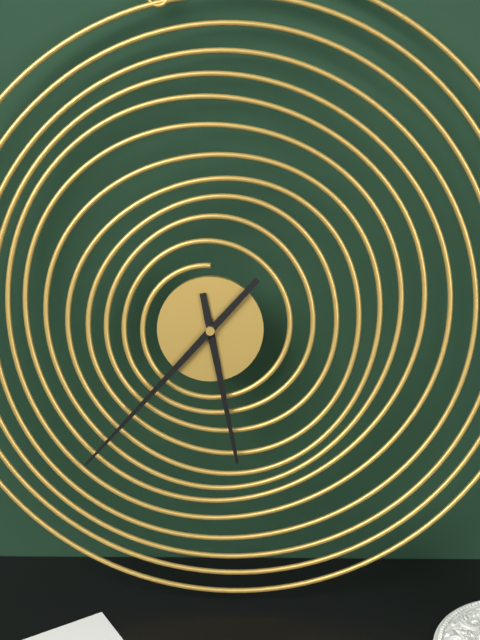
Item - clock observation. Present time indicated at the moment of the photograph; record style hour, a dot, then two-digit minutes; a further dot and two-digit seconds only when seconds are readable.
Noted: 5.37
